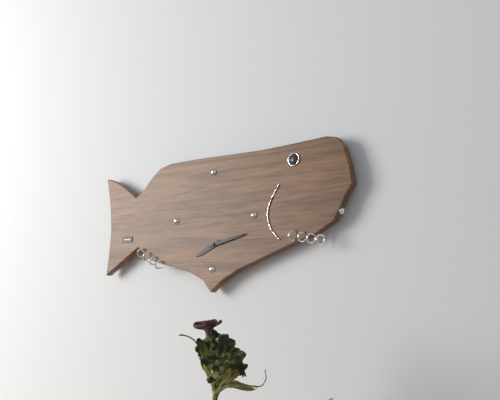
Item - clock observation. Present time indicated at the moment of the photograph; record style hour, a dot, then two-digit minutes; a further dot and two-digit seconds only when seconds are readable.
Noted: 8.13
